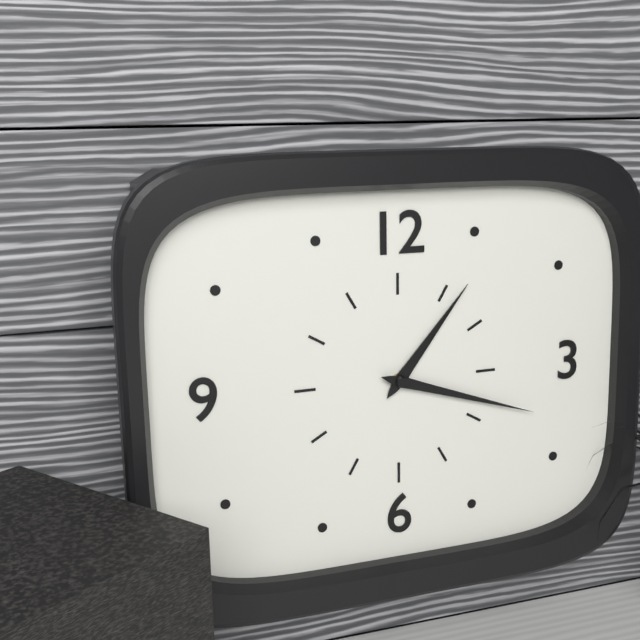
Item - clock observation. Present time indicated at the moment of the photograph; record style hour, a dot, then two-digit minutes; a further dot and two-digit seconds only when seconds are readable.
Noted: 1.18
